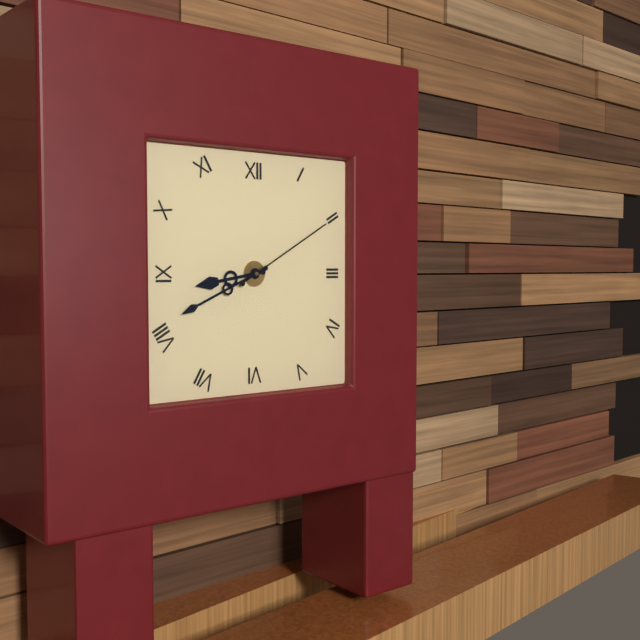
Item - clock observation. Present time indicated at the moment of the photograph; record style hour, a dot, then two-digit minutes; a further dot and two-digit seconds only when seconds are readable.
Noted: 8.41.10
